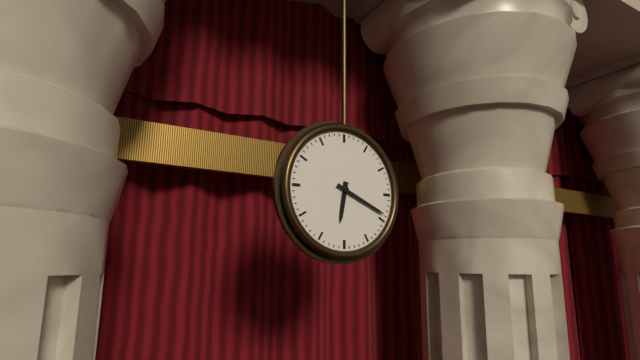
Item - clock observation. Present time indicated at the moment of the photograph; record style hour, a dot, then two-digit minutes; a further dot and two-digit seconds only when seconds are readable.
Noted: 6.19
